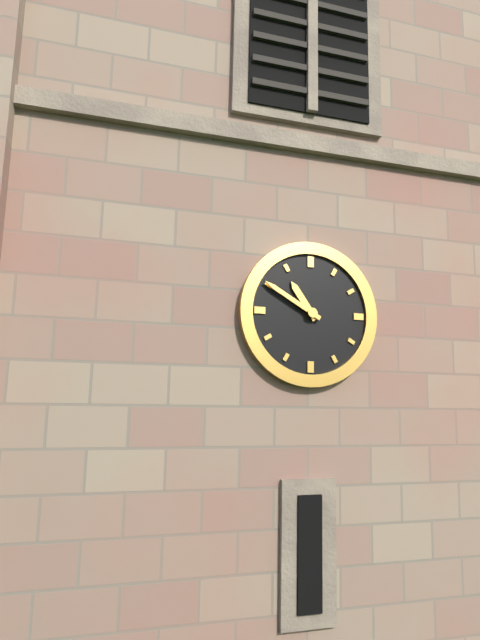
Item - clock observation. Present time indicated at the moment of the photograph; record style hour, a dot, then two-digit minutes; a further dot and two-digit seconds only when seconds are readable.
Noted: 10.50
